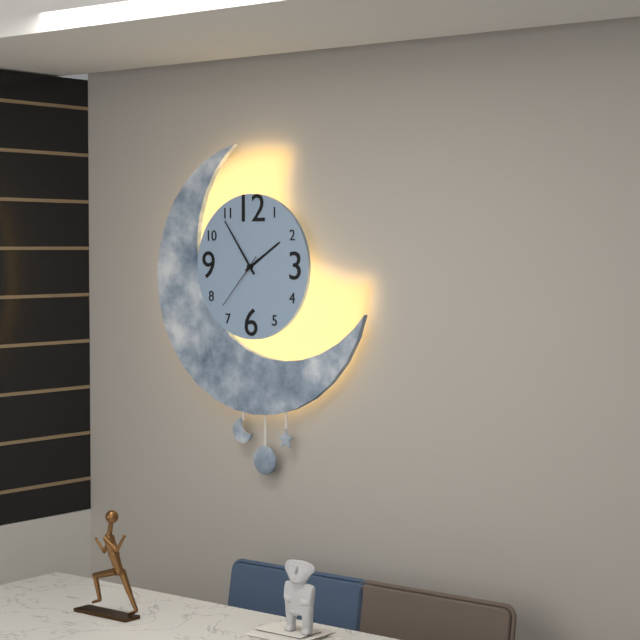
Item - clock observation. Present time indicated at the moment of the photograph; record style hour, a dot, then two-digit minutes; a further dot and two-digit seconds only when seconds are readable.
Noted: 1.54.37
